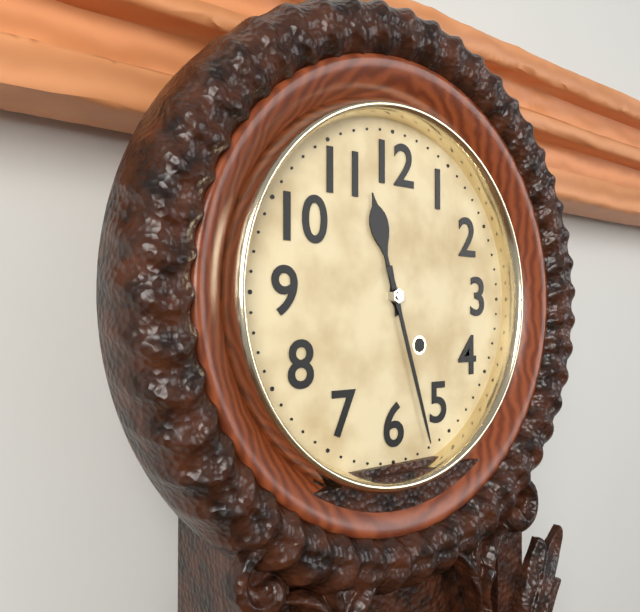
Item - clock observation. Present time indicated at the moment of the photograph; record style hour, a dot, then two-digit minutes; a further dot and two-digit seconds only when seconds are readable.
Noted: 11.27
